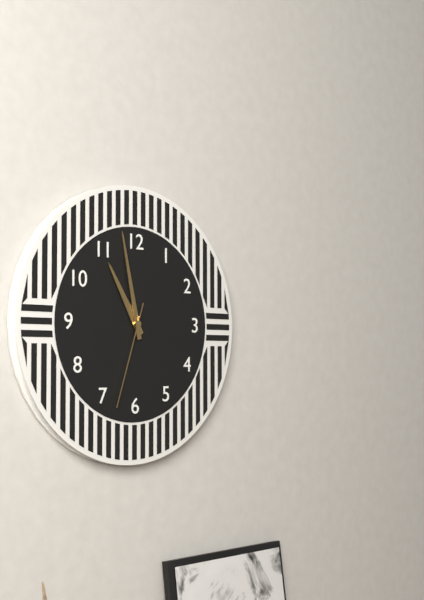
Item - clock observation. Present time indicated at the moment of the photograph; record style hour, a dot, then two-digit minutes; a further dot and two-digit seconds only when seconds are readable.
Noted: 10.58.33
